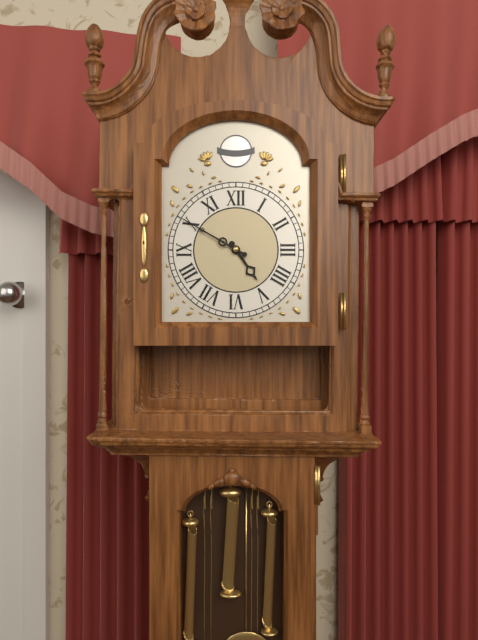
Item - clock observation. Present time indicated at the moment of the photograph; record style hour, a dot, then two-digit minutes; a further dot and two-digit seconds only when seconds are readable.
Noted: 4.50
